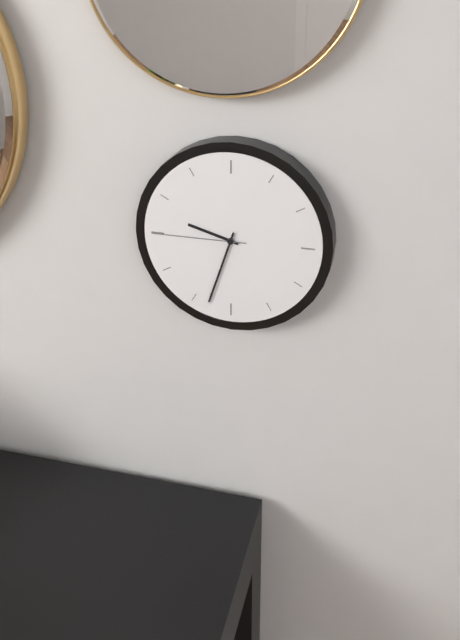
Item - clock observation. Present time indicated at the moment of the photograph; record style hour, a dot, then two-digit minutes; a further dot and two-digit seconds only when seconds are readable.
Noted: 9.33.45
